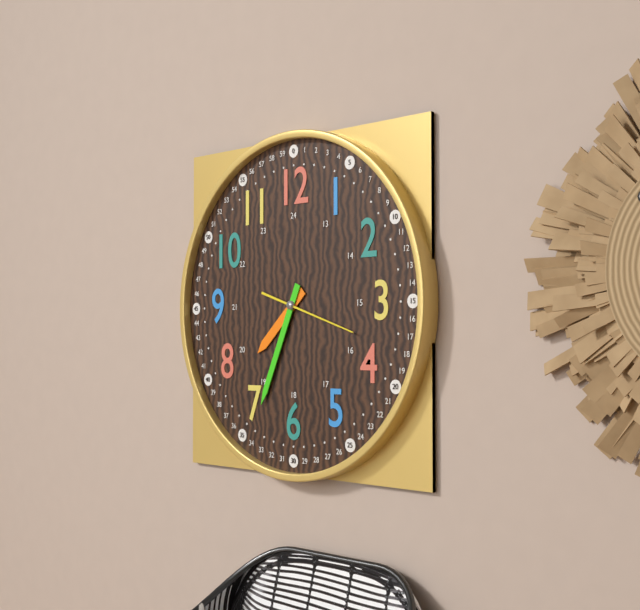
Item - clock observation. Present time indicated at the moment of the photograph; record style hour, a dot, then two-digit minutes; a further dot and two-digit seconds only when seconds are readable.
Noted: 7.34.18
